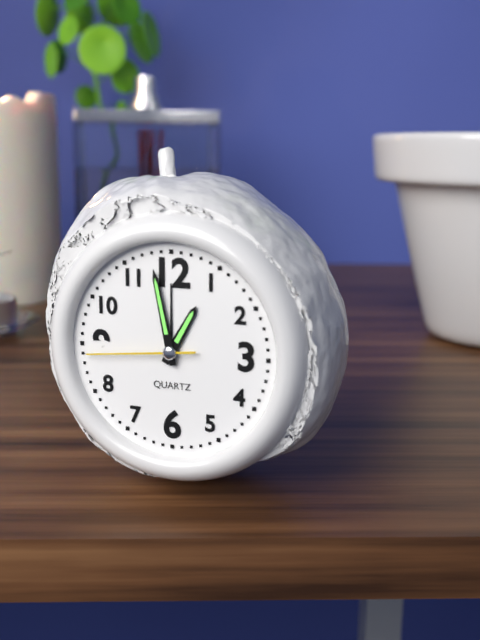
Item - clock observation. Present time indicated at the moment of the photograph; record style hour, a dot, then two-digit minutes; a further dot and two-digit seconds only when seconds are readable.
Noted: 12.58.44
